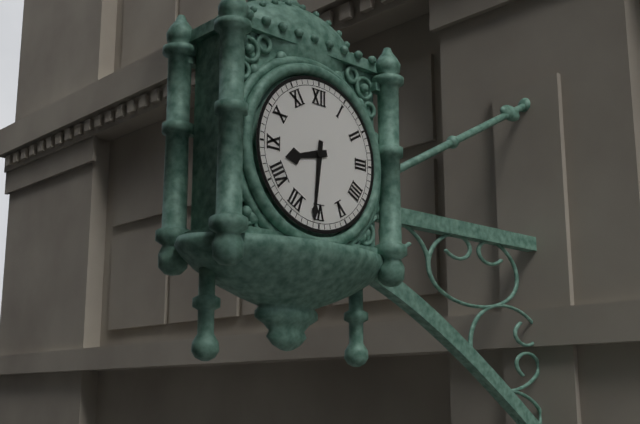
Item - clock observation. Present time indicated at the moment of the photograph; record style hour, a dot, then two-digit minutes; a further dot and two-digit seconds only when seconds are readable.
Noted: 8.31
